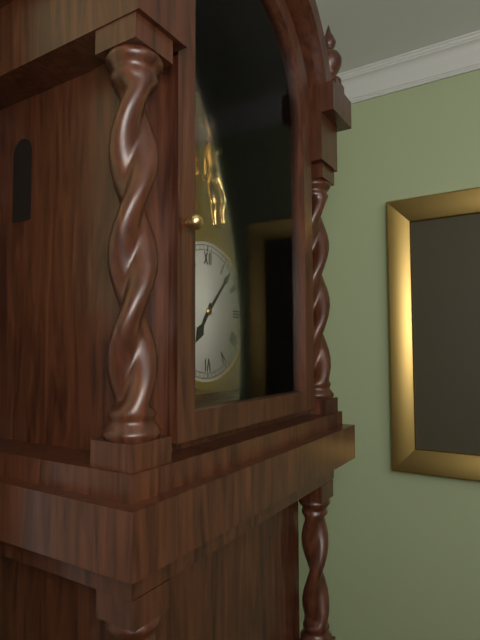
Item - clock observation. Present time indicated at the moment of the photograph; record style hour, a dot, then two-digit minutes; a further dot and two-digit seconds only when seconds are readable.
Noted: 7.07
